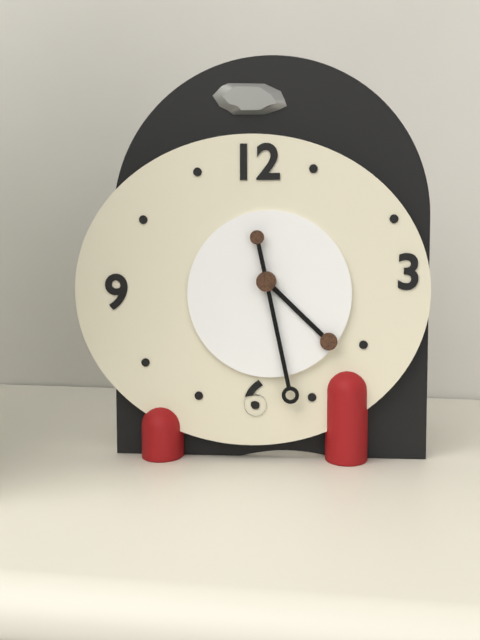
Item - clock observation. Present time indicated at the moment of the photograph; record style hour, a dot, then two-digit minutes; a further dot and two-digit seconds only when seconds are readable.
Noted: 4.28
